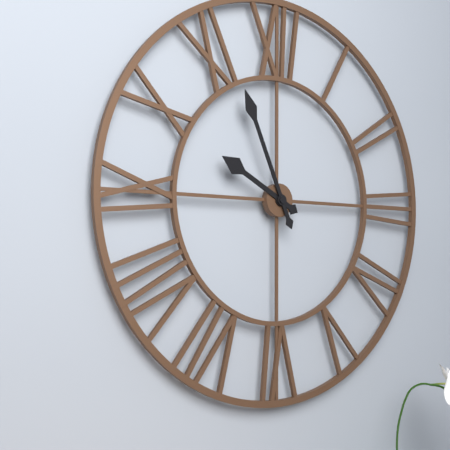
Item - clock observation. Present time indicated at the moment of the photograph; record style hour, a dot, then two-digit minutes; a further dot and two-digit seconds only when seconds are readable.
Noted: 9.56
